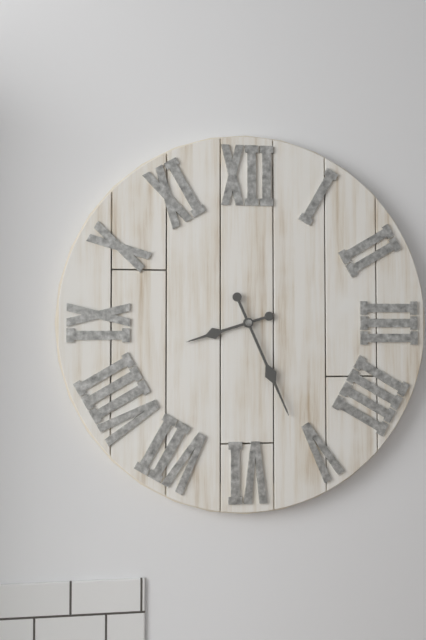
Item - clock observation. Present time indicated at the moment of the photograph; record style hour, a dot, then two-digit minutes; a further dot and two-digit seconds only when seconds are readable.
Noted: 8.26
